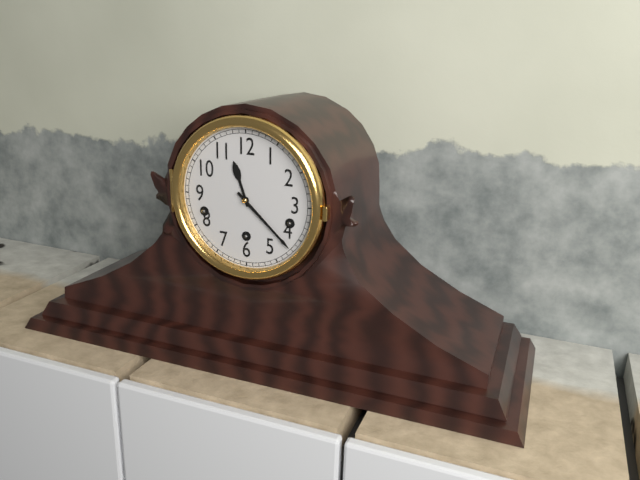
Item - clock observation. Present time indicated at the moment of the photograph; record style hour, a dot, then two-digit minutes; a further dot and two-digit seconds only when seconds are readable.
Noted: 11.22
